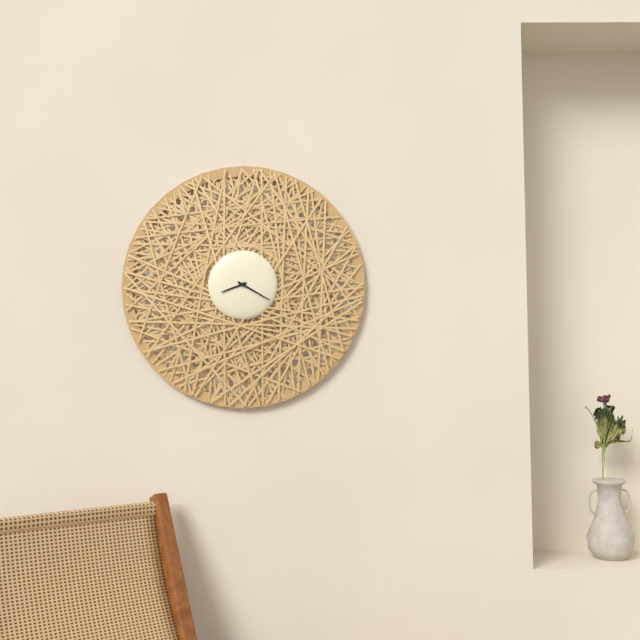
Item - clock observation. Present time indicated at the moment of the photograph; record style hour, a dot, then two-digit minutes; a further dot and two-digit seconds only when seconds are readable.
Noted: 8.20
